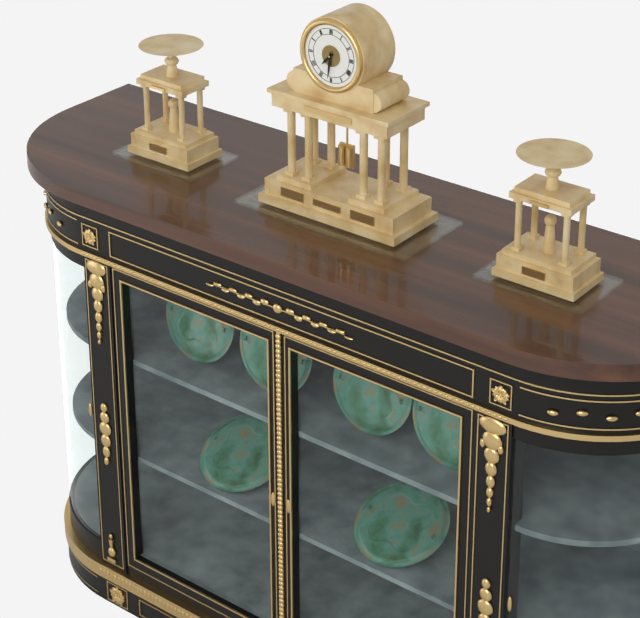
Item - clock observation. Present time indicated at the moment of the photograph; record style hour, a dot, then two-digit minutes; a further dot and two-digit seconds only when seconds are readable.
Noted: 7.31
